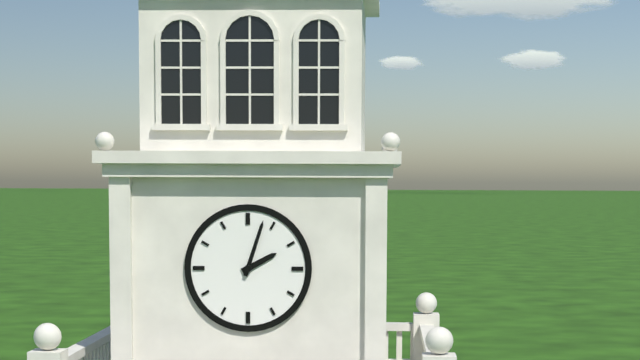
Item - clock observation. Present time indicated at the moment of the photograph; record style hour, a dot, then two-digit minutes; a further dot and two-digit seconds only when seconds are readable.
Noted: 2.03
